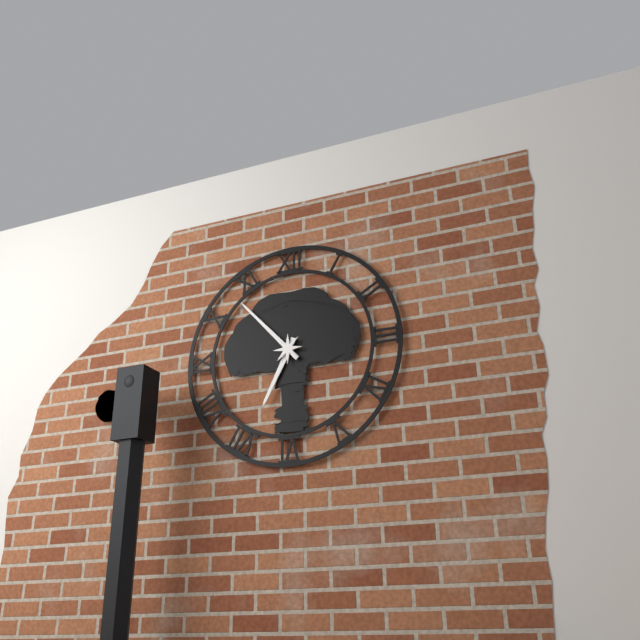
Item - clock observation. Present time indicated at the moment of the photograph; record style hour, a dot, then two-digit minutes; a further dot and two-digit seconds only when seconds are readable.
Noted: 6.53
